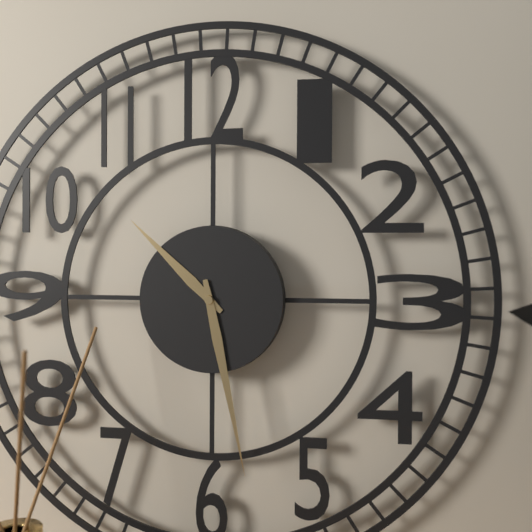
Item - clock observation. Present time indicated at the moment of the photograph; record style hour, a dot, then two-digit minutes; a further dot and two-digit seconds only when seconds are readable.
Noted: 10.28
